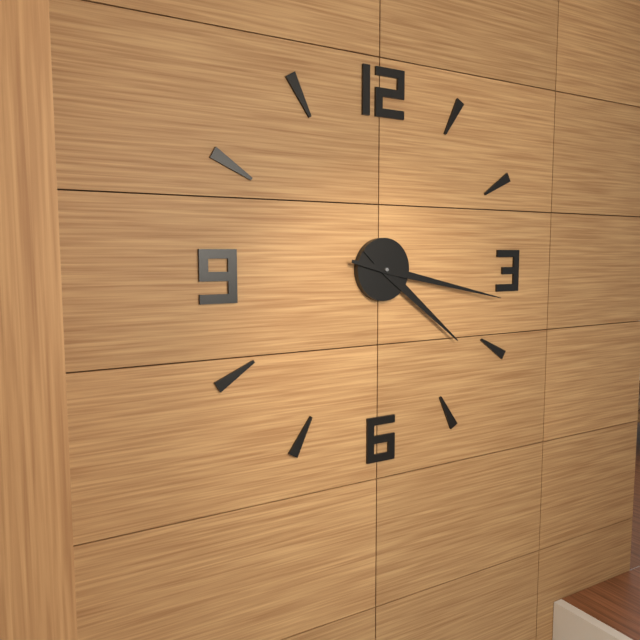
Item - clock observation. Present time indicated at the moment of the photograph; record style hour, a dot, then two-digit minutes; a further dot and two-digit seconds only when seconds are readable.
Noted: 4.17
